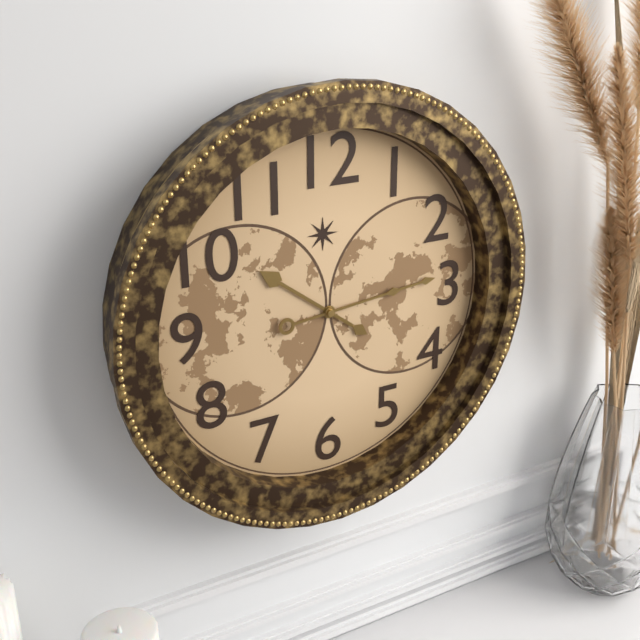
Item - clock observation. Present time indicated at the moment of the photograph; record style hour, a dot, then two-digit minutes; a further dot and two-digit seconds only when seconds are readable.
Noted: 10.14
